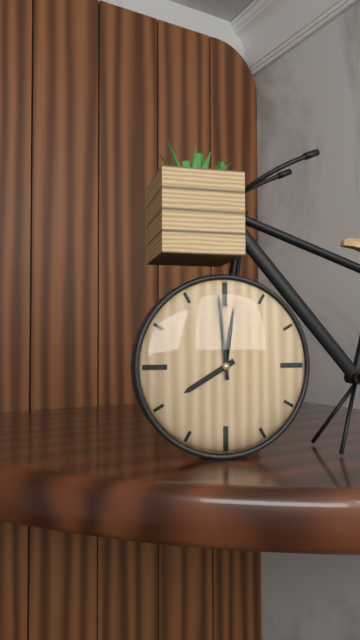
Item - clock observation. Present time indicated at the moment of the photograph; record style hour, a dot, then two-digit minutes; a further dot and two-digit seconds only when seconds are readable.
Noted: 7.59
